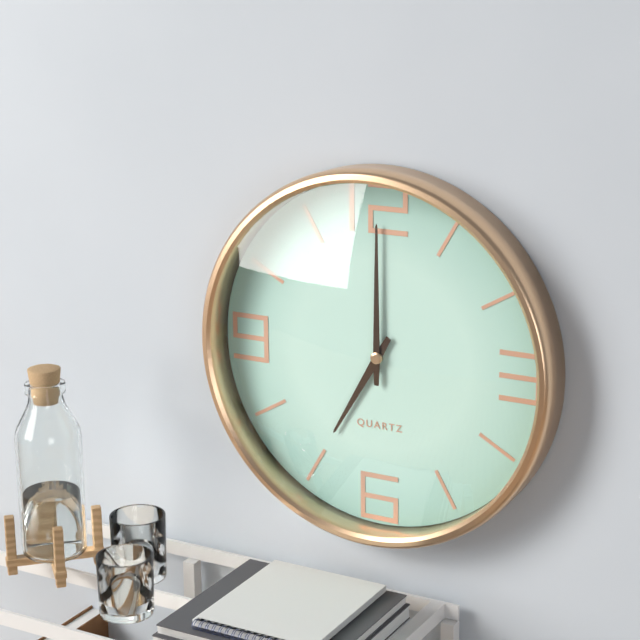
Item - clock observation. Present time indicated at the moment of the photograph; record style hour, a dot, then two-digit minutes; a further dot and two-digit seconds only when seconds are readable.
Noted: 7.00
